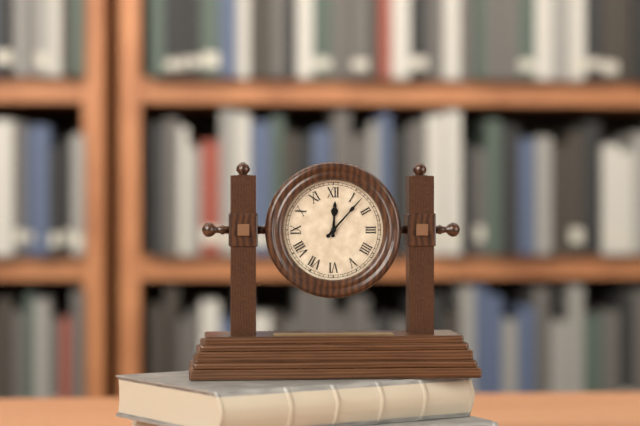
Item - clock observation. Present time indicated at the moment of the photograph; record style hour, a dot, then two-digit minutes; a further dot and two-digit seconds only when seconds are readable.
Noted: 12.07
